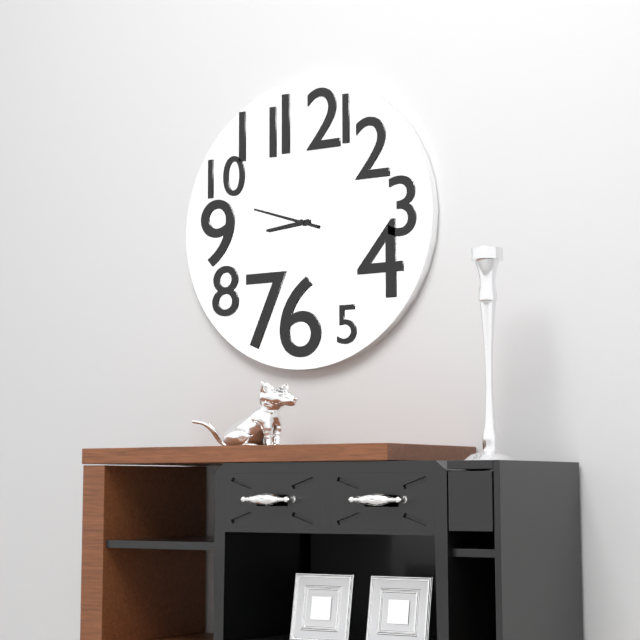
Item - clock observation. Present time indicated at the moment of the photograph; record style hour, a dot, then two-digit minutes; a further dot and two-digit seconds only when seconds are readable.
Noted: 8.48
